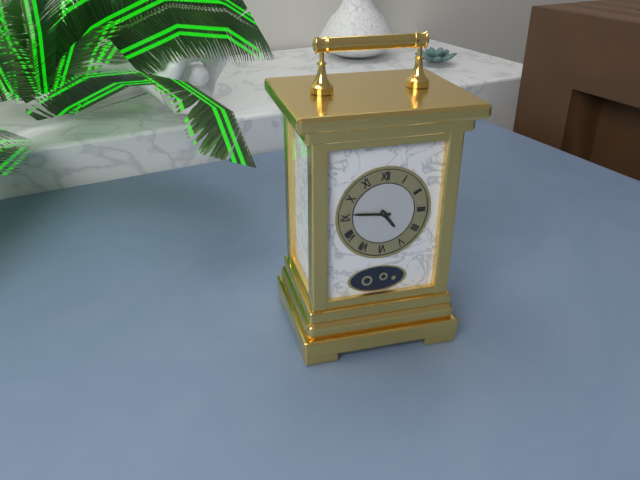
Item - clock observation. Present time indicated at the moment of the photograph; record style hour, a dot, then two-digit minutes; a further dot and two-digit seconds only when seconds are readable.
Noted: 4.46
